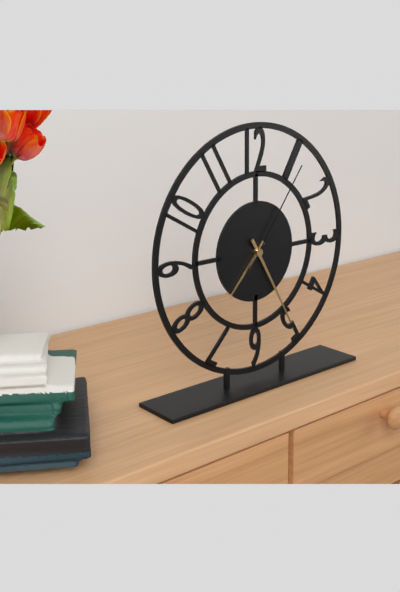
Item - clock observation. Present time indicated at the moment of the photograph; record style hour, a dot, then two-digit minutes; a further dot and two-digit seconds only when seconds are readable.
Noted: 7.25.06
